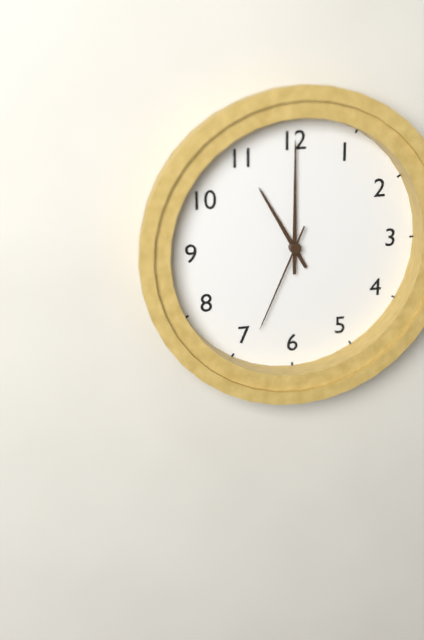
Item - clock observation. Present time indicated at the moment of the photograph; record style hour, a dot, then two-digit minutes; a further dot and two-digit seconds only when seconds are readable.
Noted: 11.00.34
